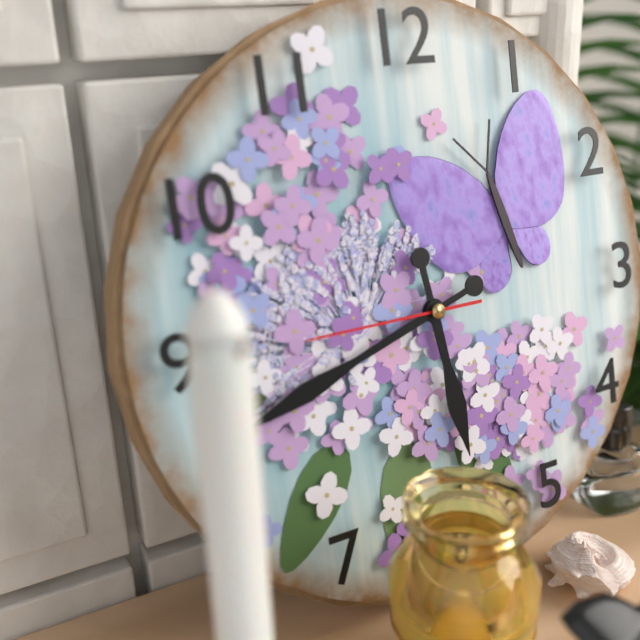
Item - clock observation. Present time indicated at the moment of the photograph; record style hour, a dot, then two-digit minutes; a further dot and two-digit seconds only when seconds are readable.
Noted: 5.42.45
